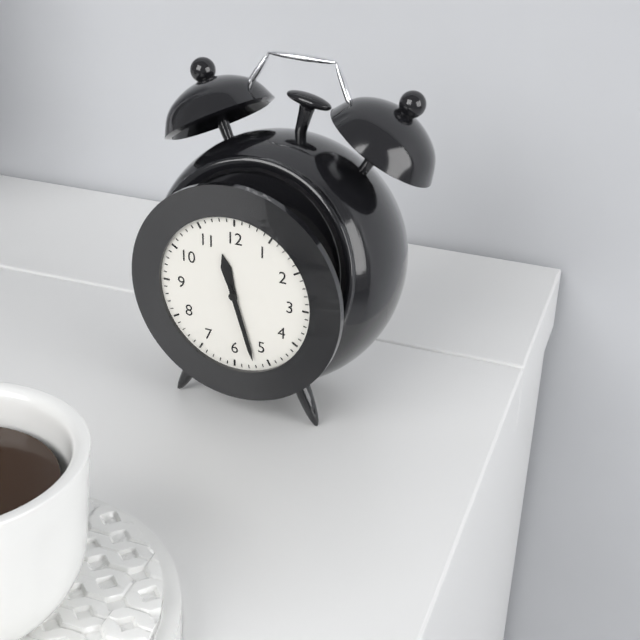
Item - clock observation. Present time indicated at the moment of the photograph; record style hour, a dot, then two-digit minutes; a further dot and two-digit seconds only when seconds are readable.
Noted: 11.27
